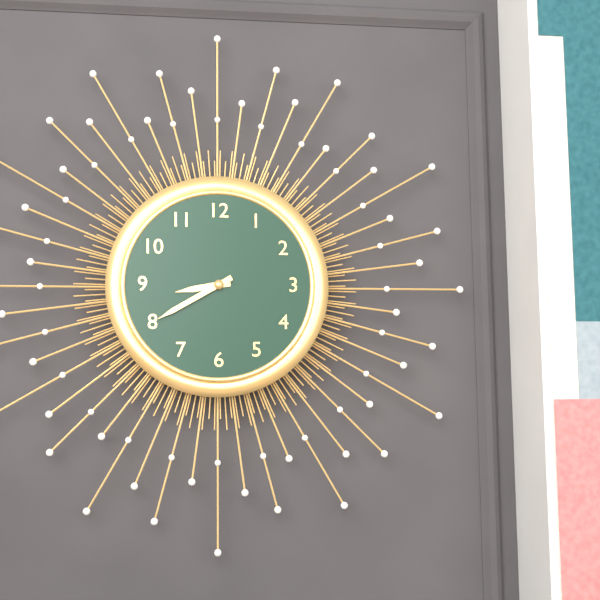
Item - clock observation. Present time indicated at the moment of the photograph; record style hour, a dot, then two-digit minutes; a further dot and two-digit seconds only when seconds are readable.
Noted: 8.40
